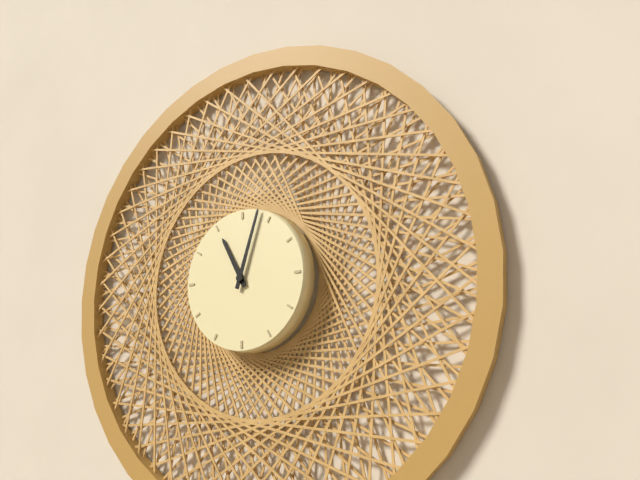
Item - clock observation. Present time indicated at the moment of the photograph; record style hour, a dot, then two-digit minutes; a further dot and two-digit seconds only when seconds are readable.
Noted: 11.03
